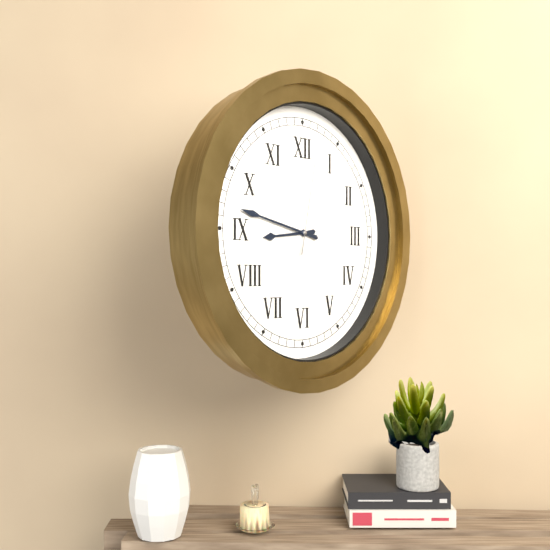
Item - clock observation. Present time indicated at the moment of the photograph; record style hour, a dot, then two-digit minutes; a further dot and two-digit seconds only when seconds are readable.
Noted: 8.47.02
